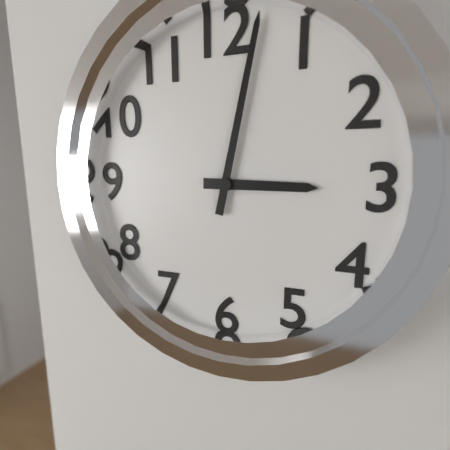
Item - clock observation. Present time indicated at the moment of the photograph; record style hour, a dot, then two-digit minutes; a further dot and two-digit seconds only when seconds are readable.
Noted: 3.02
